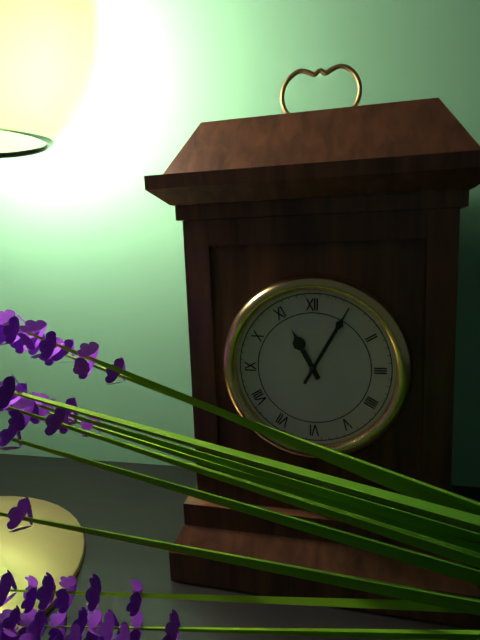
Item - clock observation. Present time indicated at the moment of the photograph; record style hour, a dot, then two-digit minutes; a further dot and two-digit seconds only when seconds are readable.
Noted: 11.05
